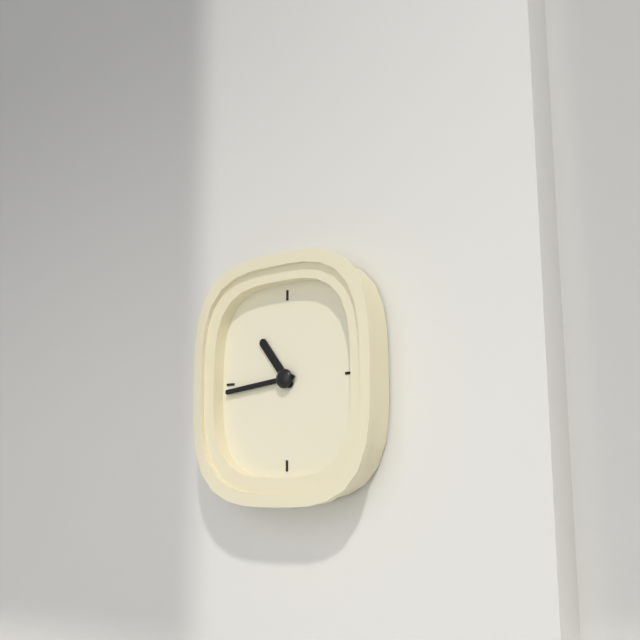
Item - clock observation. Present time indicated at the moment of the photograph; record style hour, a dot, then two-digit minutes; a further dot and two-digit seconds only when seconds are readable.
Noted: 10.44
